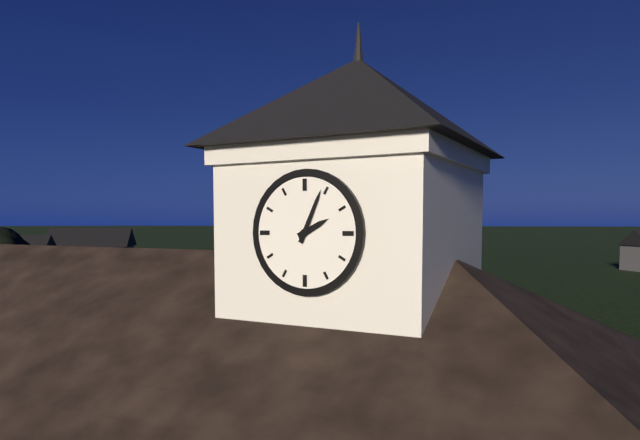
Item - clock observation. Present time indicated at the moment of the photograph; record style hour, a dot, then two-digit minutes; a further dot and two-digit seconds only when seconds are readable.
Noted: 2.04
